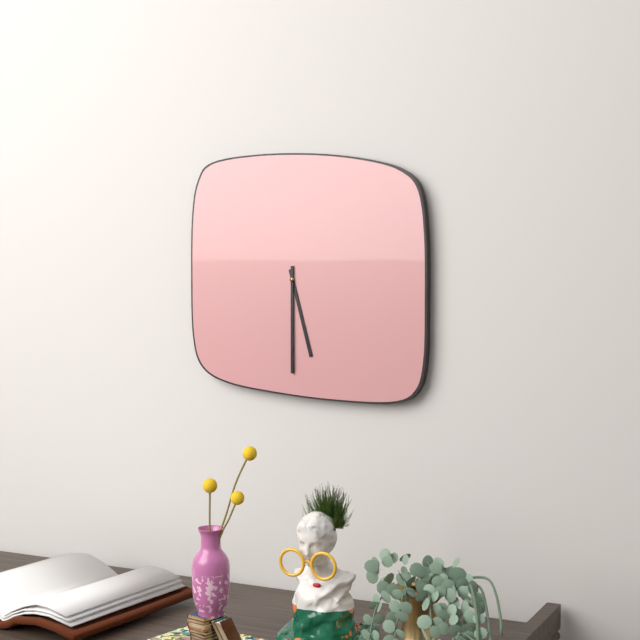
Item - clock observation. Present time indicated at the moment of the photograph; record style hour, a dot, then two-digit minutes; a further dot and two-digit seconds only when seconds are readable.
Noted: 5.30
